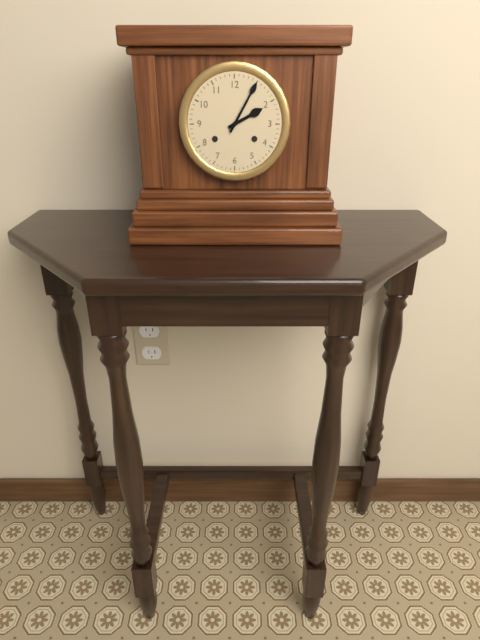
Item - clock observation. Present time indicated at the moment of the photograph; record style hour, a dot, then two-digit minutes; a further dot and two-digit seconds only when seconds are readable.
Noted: 2.05
